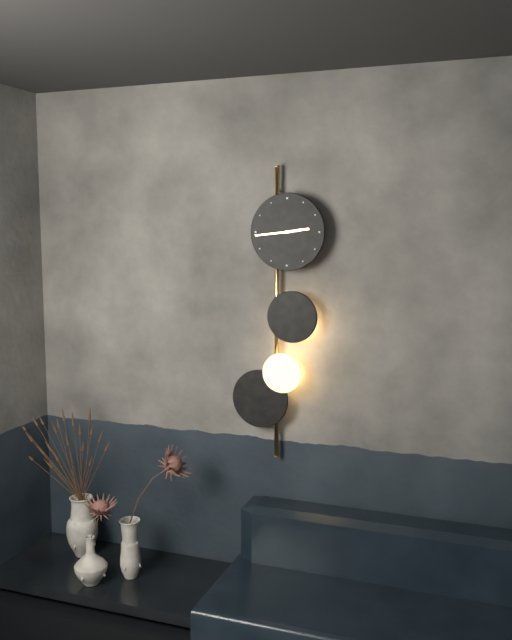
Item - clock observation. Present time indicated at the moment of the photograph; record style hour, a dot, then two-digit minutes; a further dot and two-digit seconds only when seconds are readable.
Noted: 2.44
